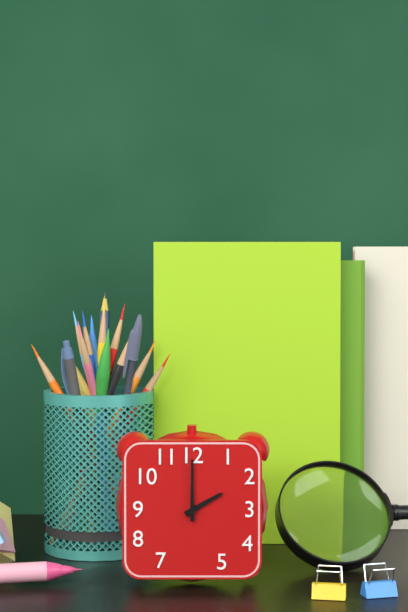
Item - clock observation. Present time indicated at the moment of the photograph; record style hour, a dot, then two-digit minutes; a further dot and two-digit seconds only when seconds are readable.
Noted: 2.00
